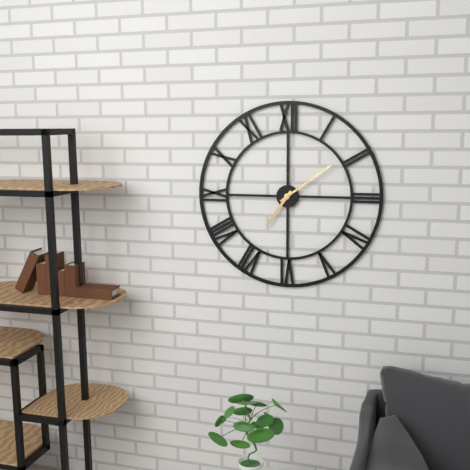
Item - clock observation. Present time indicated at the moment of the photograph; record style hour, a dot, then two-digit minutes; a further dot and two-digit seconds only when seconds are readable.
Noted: 7.09
